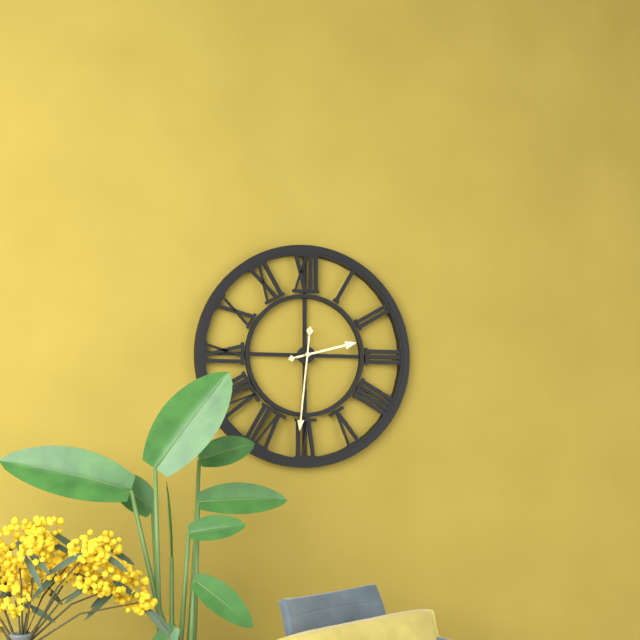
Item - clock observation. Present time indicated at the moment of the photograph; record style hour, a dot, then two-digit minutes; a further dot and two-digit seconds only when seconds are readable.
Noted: 2.31
